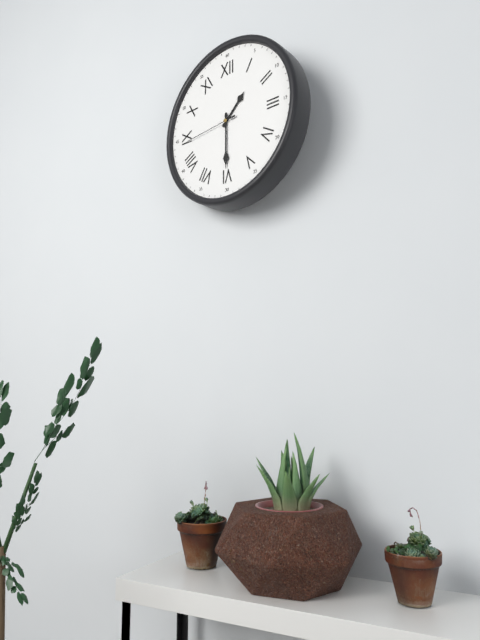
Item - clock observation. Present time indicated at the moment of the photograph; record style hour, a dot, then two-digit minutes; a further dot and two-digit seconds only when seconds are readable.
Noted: 1.30.44
